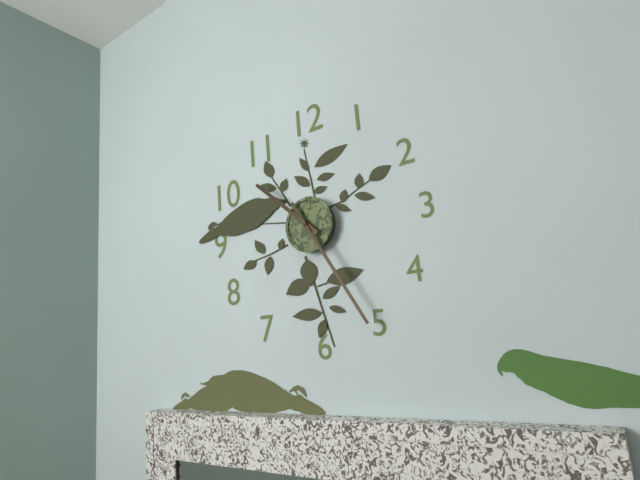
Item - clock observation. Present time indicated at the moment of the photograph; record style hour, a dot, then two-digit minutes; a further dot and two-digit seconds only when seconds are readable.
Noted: 10.25
